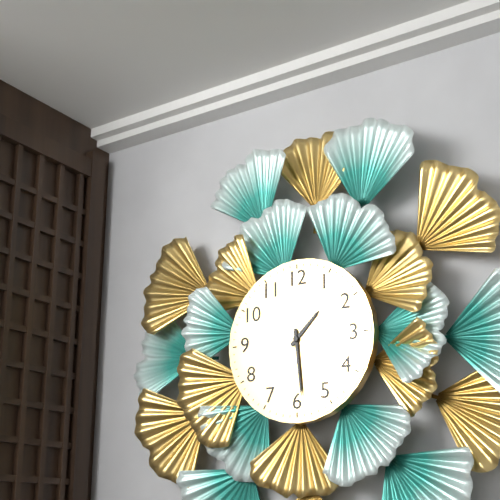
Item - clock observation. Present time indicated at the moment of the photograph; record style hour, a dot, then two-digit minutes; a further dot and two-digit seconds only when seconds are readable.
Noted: 1.29
